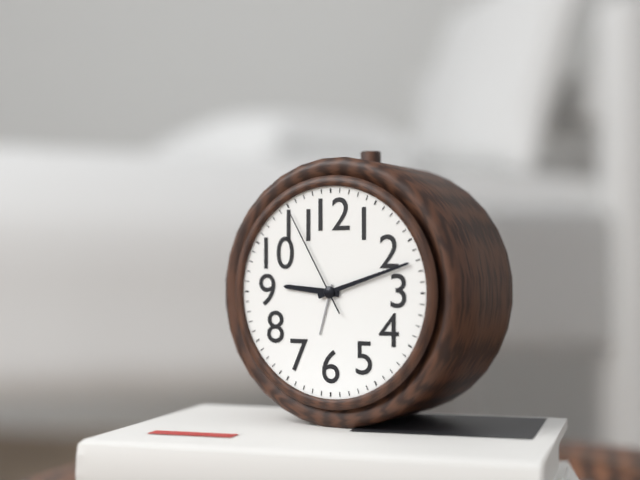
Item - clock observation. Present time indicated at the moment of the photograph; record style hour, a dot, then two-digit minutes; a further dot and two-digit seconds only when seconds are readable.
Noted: 9.12.55
